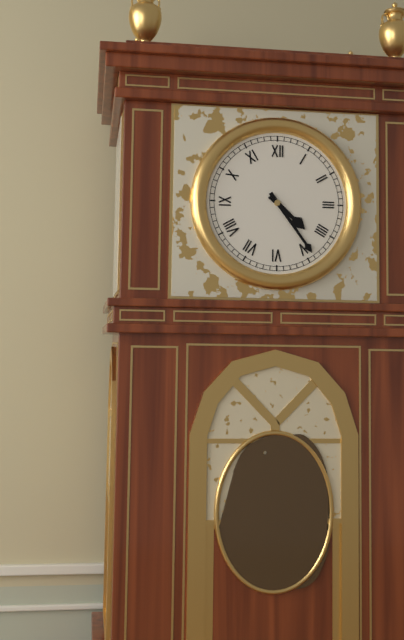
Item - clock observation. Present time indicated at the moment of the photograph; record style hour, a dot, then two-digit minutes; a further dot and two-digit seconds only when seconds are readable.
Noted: 4.24
